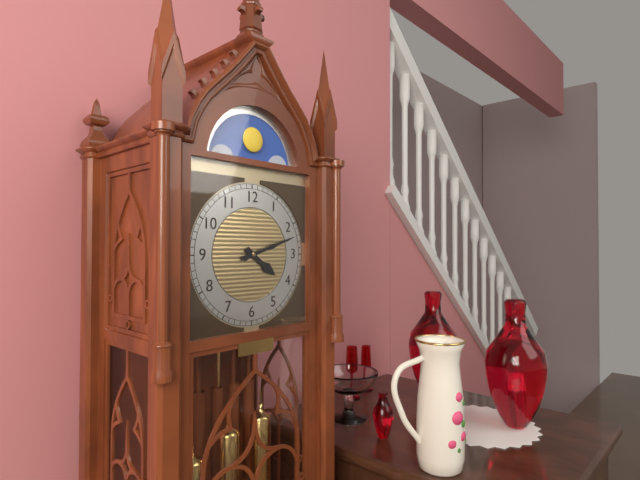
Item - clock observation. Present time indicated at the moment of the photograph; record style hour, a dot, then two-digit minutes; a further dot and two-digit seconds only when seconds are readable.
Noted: 4.12
